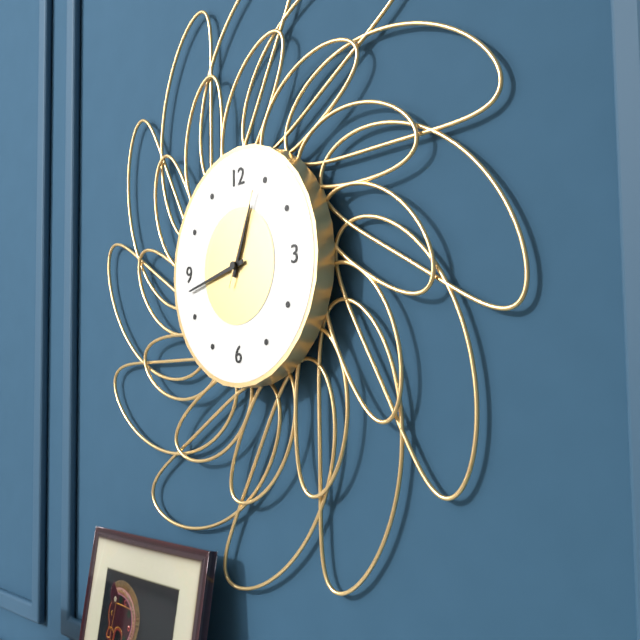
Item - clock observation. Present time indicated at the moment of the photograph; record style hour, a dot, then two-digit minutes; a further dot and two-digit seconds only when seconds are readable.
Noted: 12.43.04
